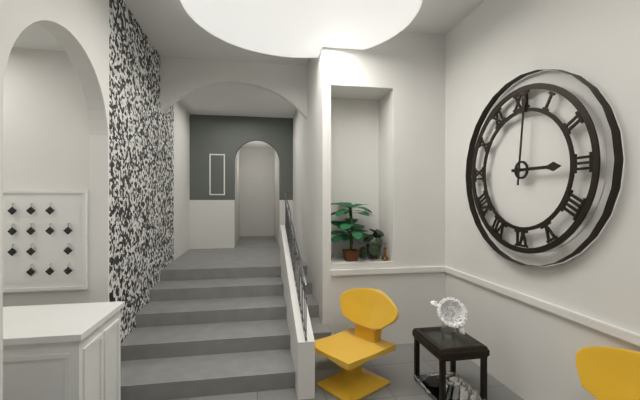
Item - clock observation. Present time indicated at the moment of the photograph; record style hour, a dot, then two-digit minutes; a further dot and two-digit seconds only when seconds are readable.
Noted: 3.01
